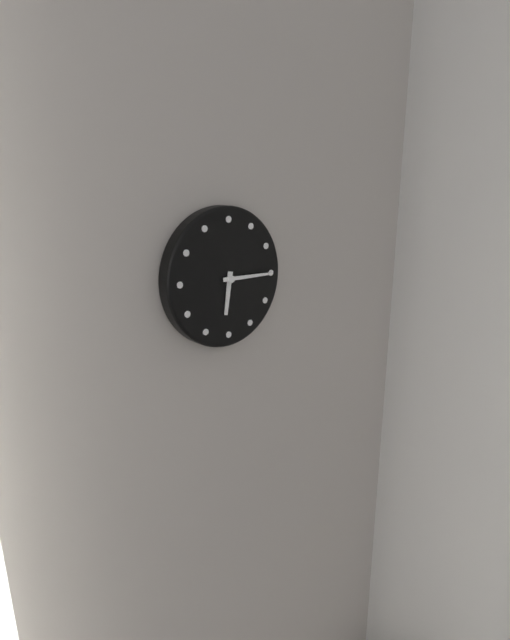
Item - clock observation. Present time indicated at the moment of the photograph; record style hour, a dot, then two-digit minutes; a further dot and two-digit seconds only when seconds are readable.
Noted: 6.15
